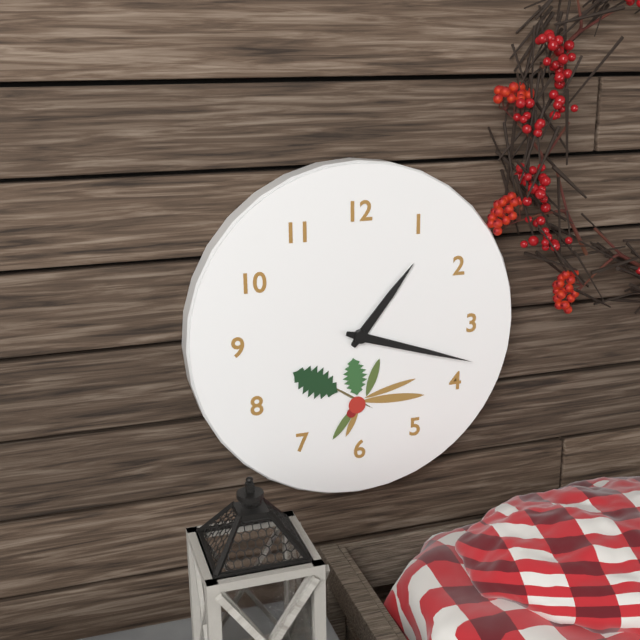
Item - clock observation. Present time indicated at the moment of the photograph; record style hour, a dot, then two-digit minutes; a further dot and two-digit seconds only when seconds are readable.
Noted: 1.18
